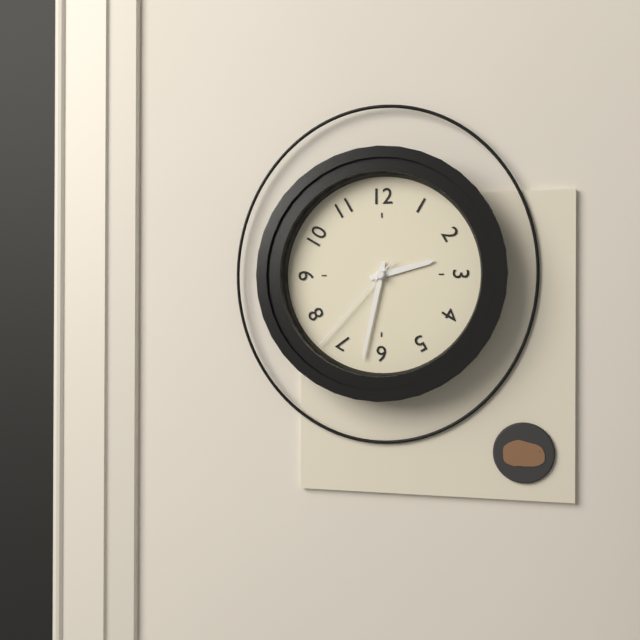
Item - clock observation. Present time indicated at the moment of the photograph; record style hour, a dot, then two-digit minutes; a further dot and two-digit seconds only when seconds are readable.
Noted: 2.32.37
